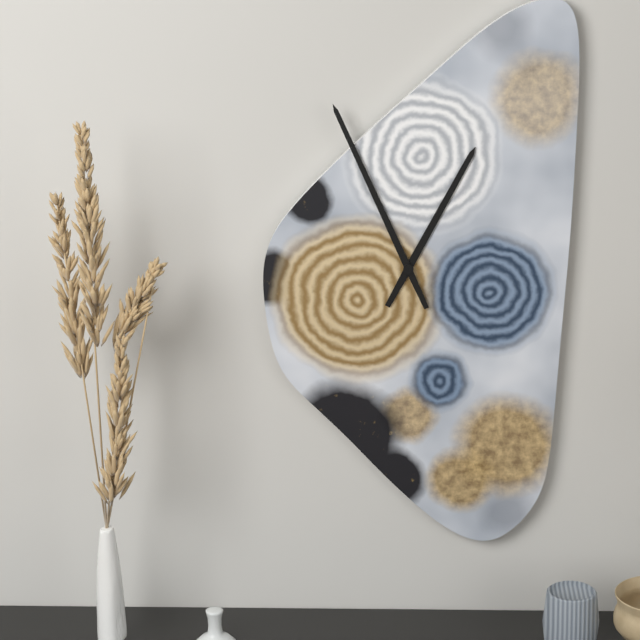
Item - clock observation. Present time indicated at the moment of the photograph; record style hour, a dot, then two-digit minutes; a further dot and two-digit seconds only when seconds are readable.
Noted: 12.56
